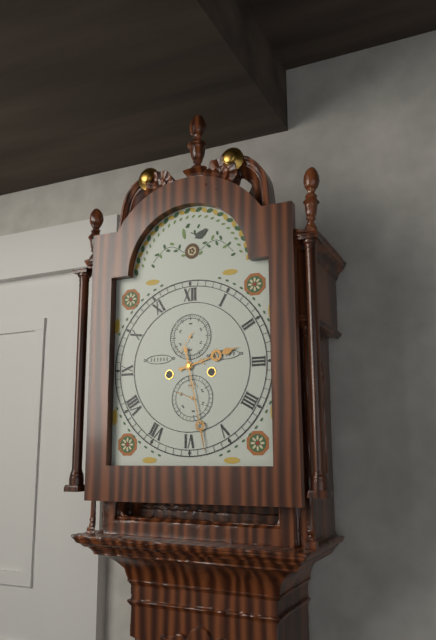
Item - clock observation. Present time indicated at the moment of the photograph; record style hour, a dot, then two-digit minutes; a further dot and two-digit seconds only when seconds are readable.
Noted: 2.28
